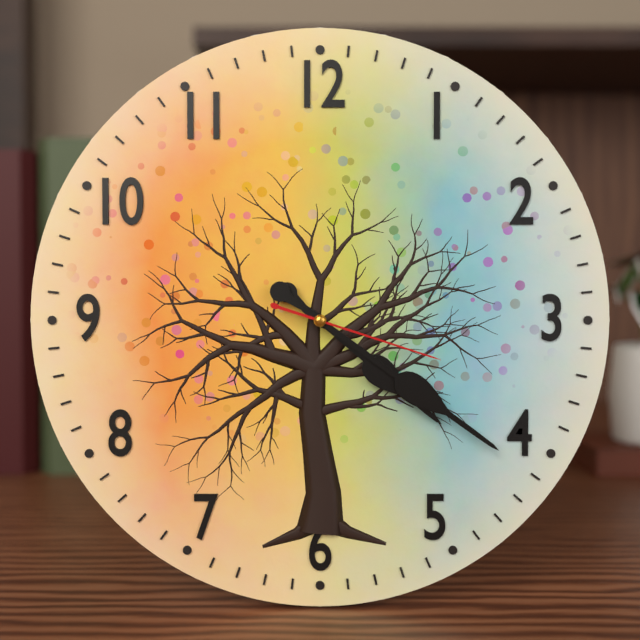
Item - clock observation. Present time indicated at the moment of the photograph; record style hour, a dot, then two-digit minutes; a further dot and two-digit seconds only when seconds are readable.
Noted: 4.21.18
